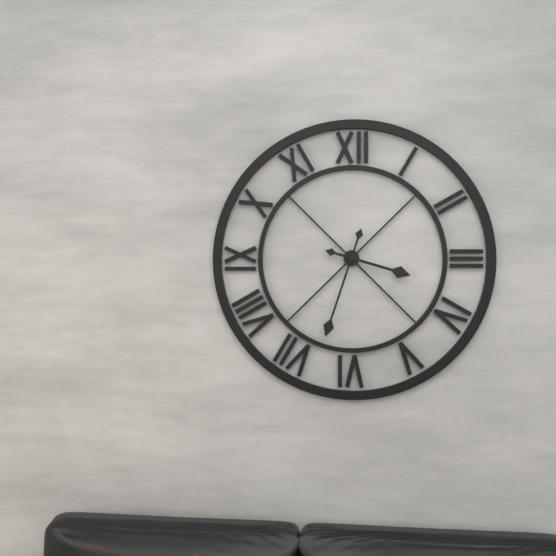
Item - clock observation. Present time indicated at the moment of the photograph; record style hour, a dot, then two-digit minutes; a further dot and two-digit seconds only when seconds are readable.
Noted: 3.33
